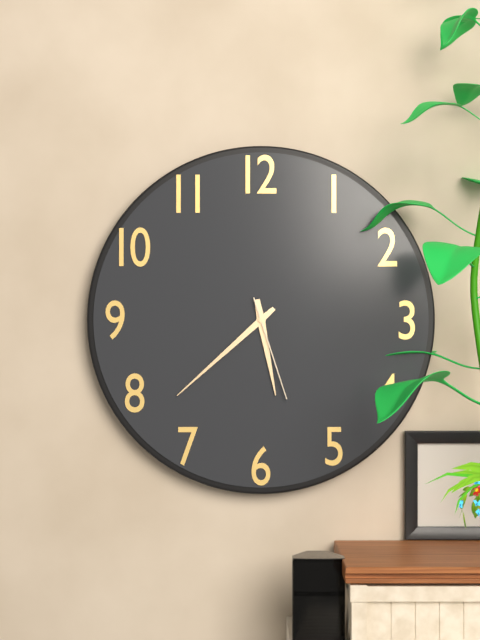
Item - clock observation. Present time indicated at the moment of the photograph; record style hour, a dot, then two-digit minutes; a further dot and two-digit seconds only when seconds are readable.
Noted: 5.38.27
